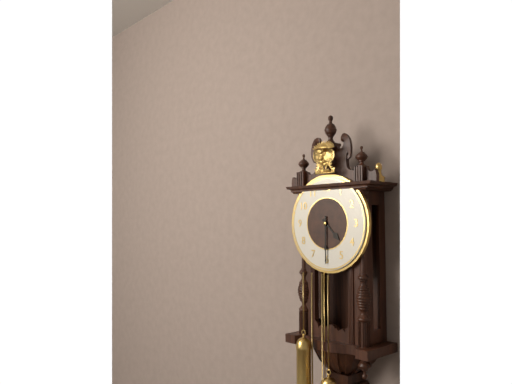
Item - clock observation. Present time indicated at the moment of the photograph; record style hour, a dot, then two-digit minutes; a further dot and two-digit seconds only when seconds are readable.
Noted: 4.30
